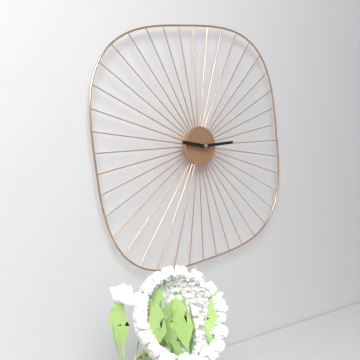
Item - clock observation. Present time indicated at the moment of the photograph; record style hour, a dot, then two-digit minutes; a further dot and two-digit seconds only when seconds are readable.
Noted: 9.14
